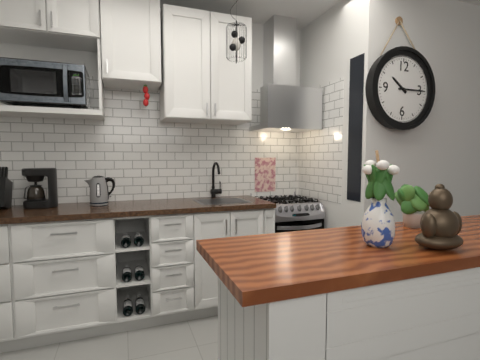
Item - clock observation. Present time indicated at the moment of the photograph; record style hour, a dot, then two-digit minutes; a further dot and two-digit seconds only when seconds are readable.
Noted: 10.15
